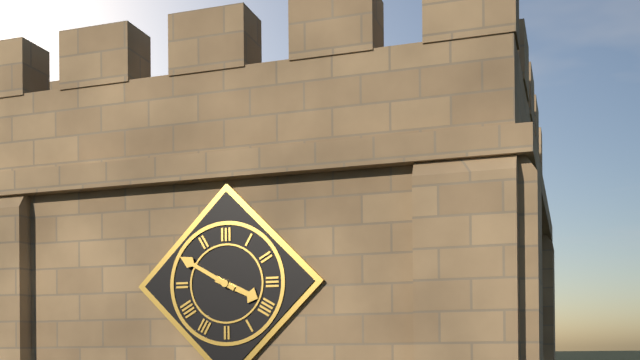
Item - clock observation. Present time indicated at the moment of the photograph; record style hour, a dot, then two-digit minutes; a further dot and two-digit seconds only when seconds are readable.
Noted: 3.50
